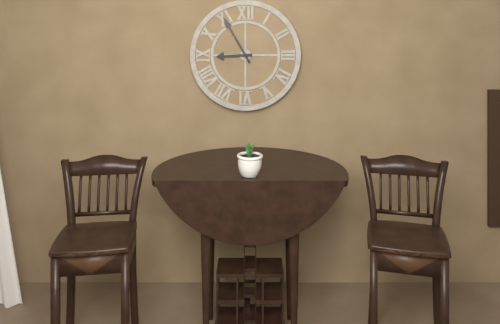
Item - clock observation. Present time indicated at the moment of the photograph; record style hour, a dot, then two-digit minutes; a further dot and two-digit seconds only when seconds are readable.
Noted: 8.55
